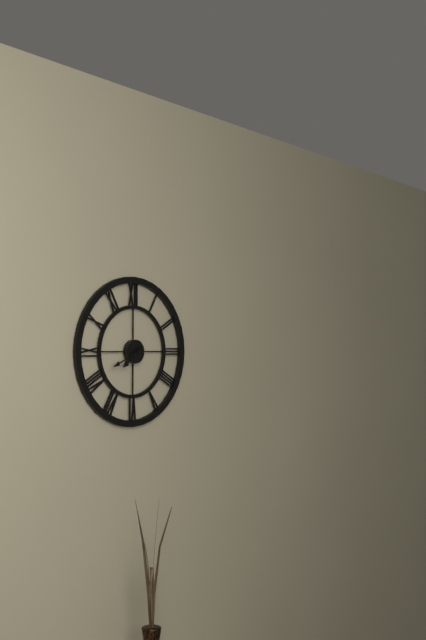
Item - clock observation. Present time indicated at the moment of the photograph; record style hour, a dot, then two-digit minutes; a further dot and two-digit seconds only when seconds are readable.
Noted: 7.41
